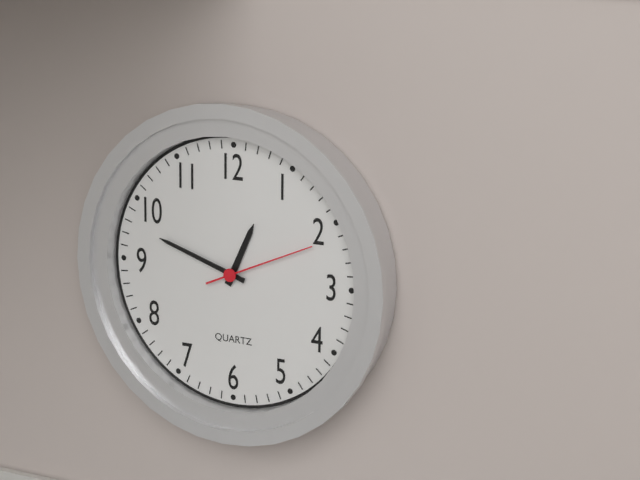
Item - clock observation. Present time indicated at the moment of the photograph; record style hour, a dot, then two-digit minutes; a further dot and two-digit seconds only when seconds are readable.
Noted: 12.48.11
